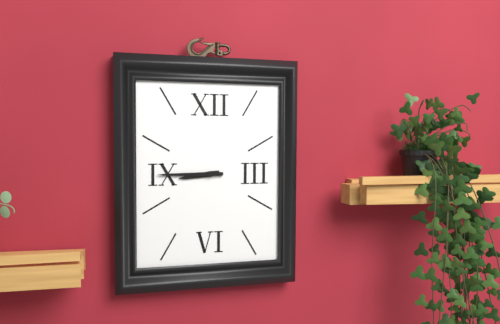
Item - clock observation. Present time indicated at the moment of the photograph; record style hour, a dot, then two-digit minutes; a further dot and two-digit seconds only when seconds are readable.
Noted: 8.45
